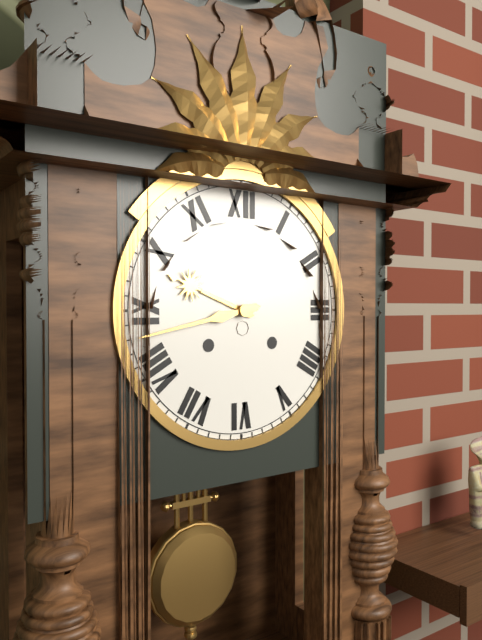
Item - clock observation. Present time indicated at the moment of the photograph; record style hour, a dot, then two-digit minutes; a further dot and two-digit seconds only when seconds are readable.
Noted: 9.43
